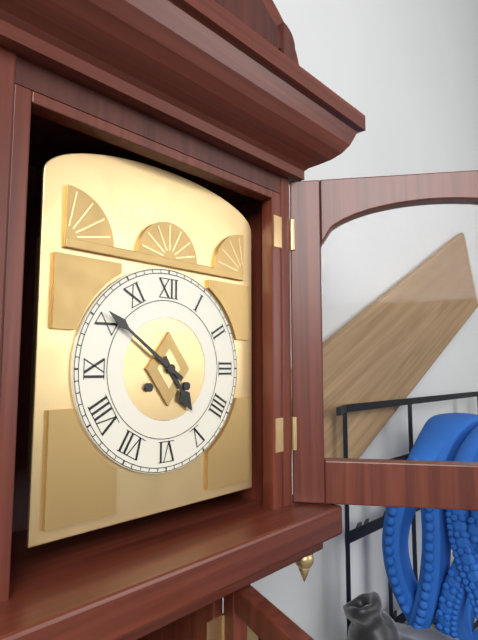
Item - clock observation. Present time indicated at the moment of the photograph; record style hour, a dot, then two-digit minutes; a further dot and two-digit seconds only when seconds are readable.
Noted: 4.51
